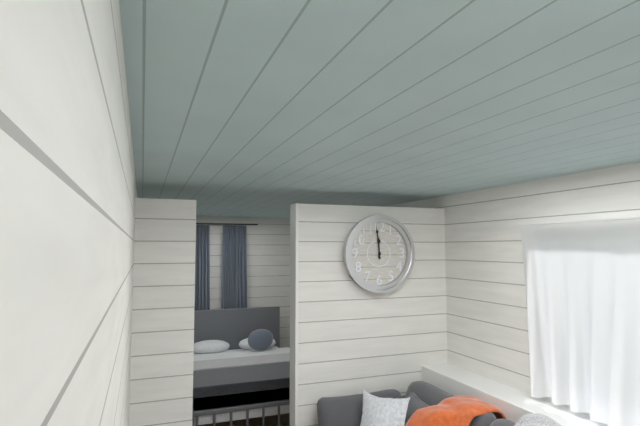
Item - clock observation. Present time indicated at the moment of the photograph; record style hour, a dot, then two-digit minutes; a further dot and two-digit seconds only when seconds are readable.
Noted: 11.59
